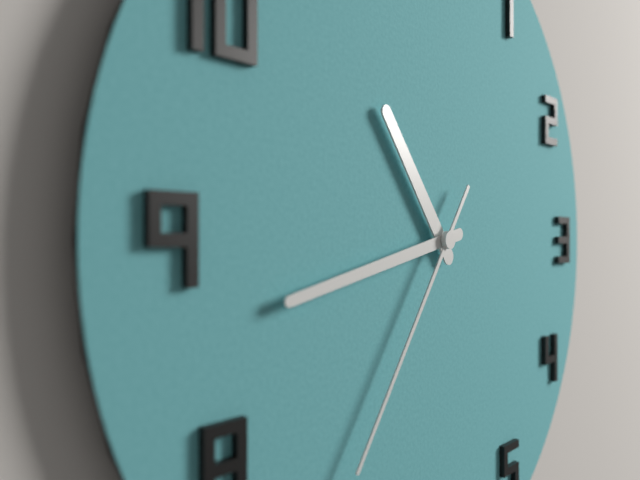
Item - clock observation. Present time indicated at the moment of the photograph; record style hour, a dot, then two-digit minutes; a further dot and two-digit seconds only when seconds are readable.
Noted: 10.43.36
